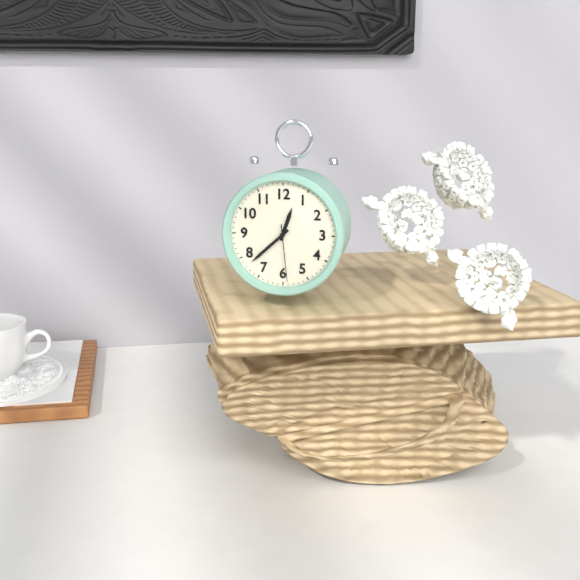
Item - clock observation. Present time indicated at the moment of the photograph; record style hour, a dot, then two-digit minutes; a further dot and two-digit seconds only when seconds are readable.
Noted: 12.38.29
